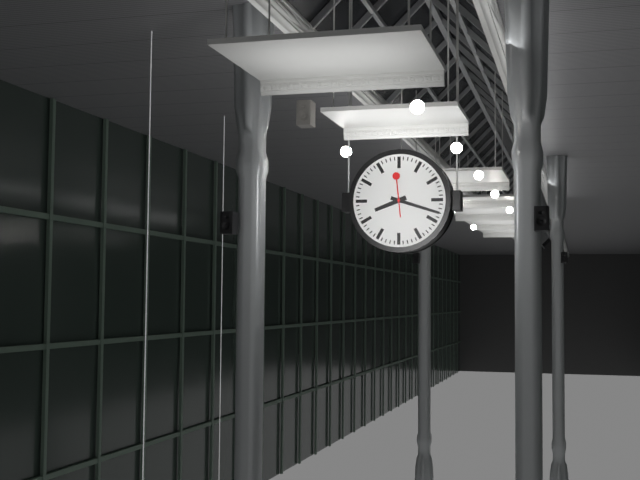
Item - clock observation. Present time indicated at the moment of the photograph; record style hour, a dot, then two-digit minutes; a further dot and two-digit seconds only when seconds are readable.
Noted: 8.18
